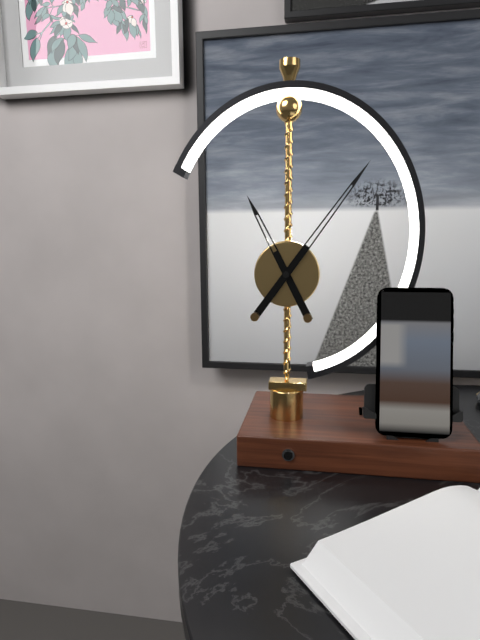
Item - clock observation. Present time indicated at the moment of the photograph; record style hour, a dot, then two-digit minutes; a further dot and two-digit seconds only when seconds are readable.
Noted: 11.06
